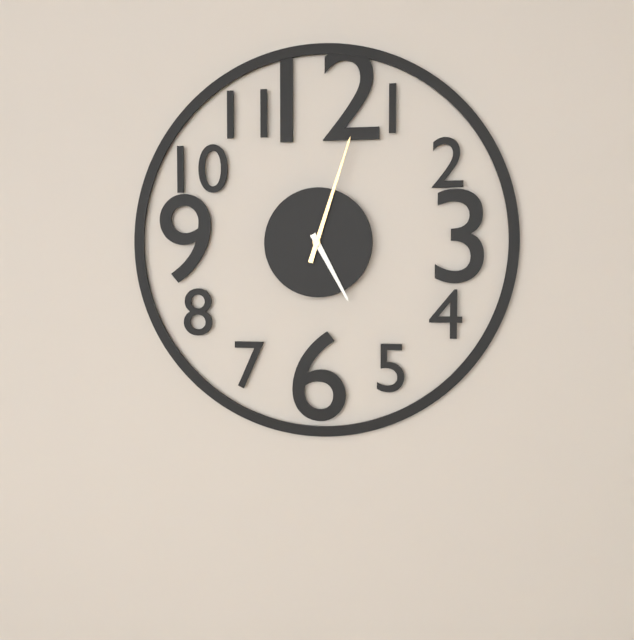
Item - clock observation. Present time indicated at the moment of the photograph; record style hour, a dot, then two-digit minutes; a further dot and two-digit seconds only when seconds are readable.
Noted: 5.03
